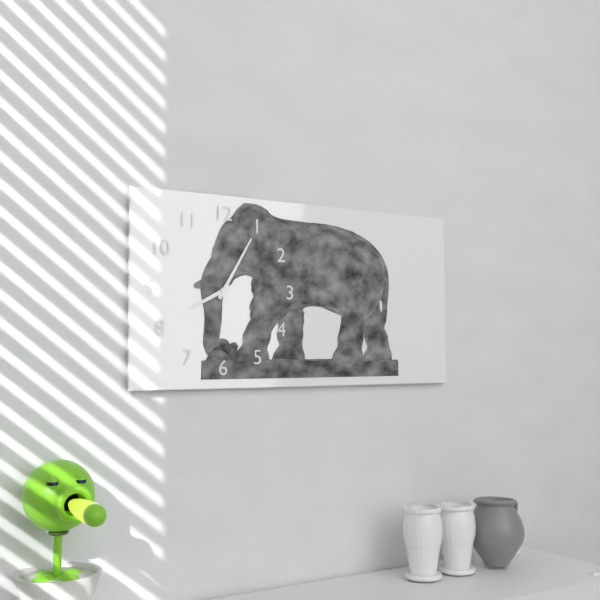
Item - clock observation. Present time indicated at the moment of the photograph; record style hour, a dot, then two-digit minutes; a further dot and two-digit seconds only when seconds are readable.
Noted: 8.05
